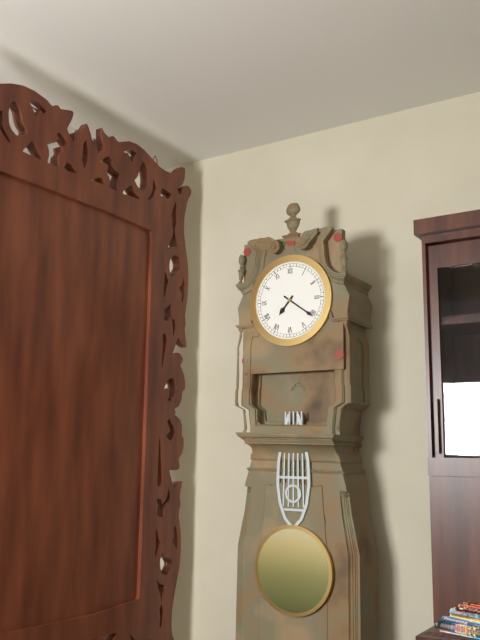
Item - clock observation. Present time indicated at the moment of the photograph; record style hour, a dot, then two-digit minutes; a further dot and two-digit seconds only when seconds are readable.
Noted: 7.21
